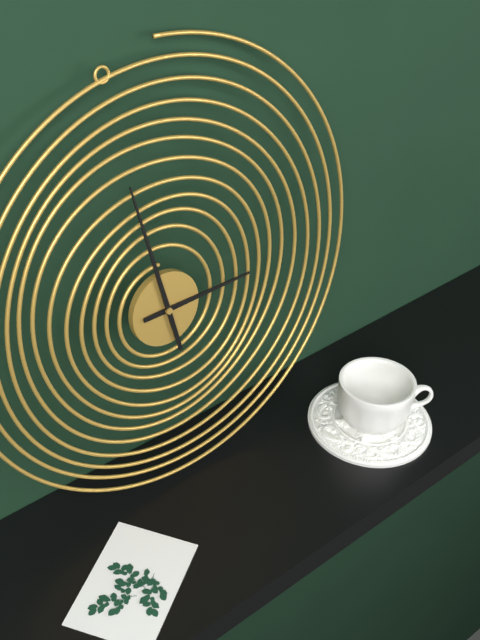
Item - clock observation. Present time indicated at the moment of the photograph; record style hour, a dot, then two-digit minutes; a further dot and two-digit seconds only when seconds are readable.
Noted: 2.58
